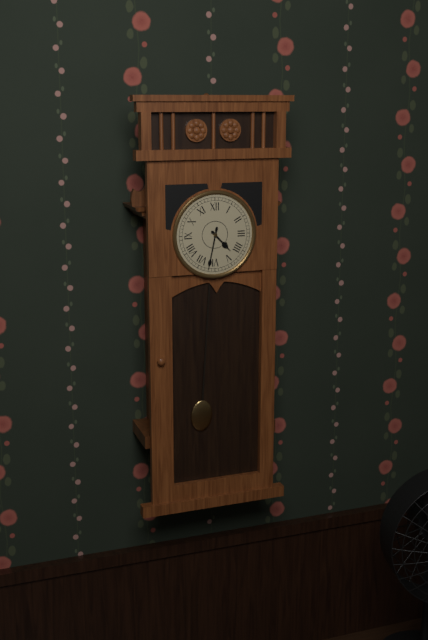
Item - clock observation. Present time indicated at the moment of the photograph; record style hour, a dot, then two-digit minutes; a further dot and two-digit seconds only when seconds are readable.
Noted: 4.32
